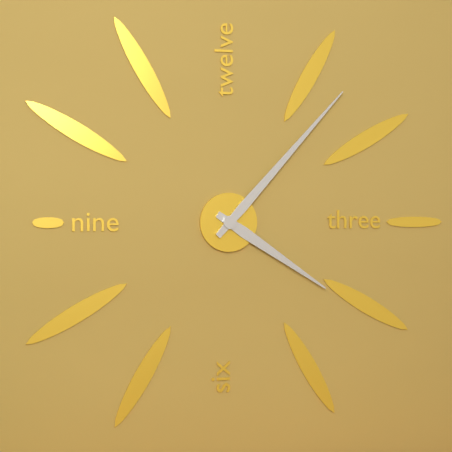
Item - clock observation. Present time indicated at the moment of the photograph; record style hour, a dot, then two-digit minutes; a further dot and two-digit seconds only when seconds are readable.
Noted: 4.07
